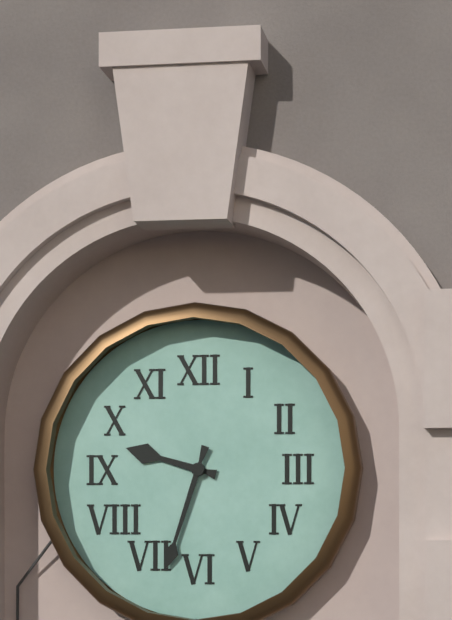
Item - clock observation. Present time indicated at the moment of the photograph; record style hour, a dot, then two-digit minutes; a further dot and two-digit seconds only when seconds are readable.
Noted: 9.33
